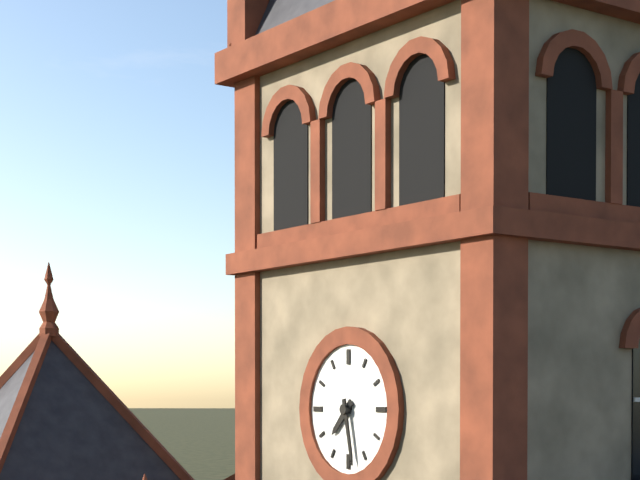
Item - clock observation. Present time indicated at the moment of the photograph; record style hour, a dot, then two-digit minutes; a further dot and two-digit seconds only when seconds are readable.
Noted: 7.28
